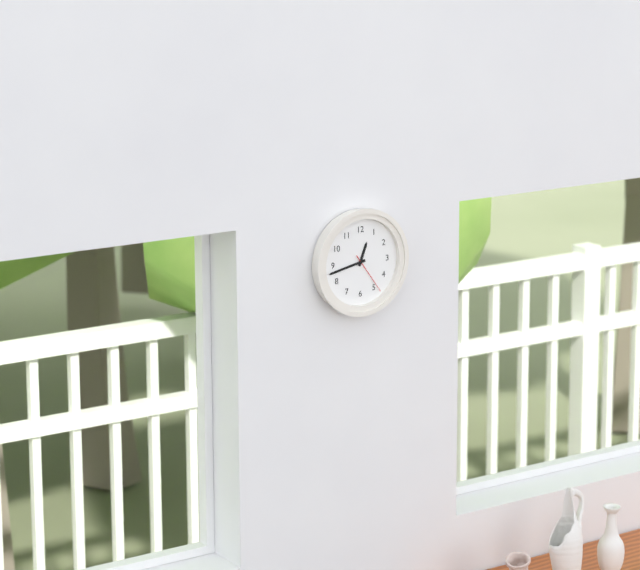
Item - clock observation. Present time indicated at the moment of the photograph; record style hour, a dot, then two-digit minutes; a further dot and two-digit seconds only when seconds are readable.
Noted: 12.43
